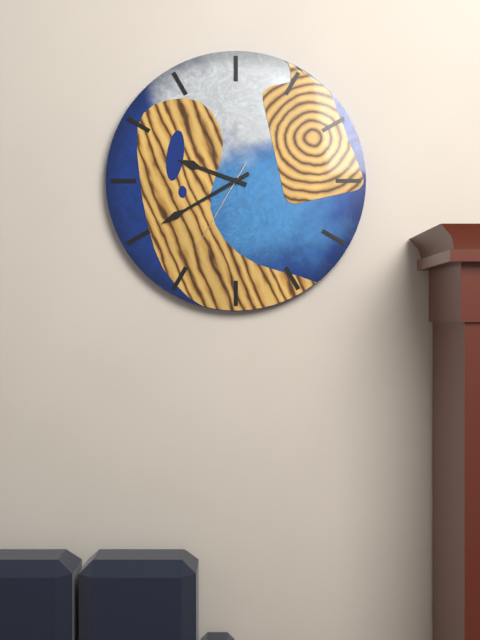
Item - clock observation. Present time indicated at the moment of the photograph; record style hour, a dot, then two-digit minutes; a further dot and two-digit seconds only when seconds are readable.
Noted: 9.40.35
